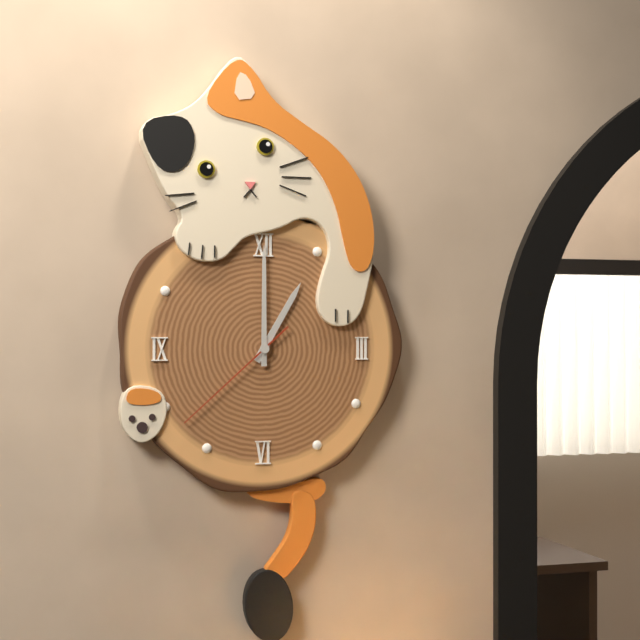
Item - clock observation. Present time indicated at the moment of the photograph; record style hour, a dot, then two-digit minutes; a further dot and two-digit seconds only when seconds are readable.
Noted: 1.00.38
